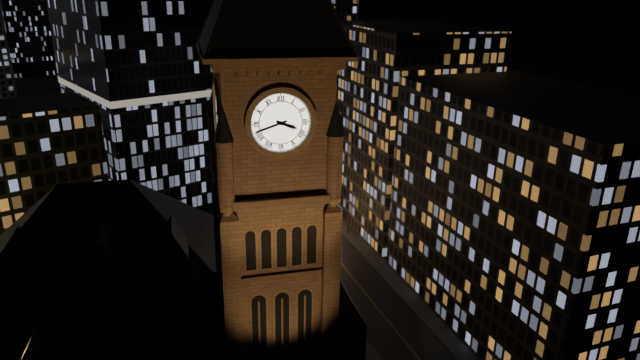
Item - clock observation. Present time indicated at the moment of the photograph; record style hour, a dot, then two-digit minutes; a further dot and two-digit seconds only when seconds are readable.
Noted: 3.42
